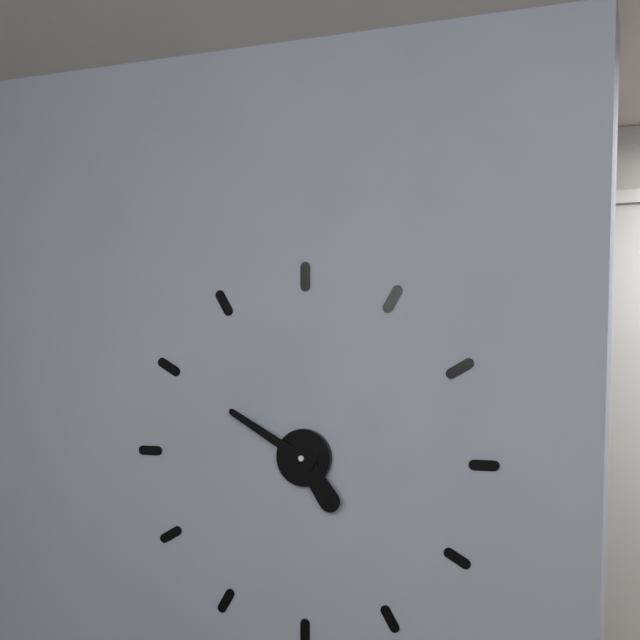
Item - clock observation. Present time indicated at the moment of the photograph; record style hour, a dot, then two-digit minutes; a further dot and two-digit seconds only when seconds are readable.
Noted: 4.50
